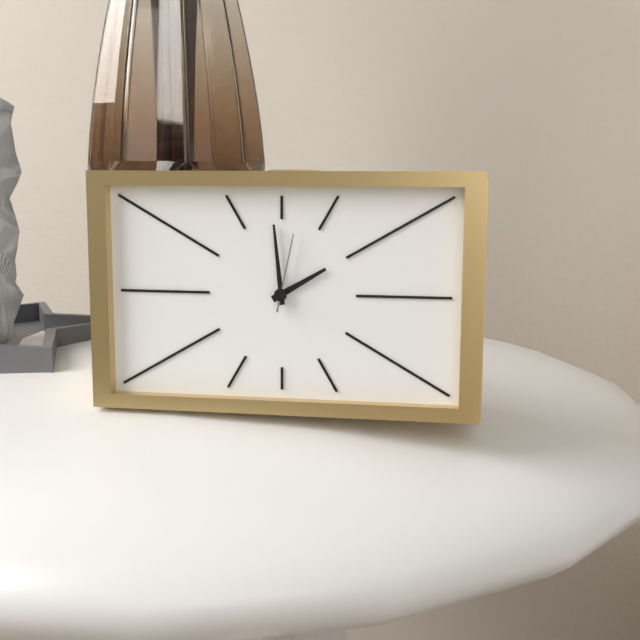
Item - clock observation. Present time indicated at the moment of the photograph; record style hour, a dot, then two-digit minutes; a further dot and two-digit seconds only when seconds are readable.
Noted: 1.59.02
